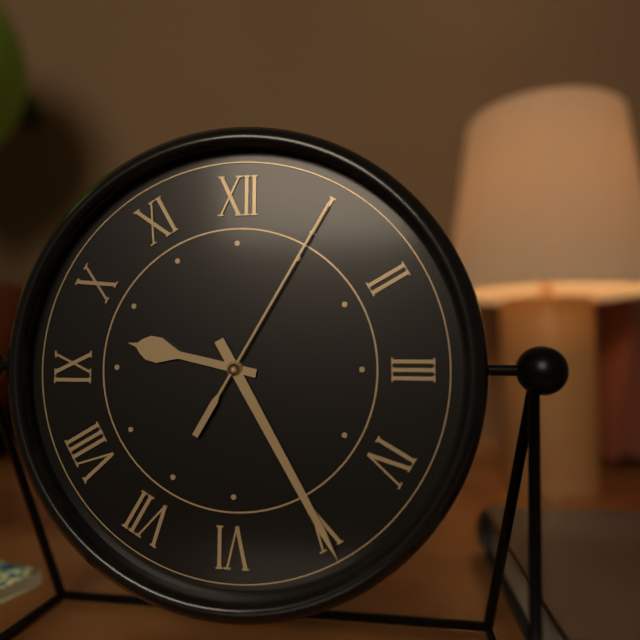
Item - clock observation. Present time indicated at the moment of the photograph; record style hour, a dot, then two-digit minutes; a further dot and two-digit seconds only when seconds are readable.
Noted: 9.25.05
